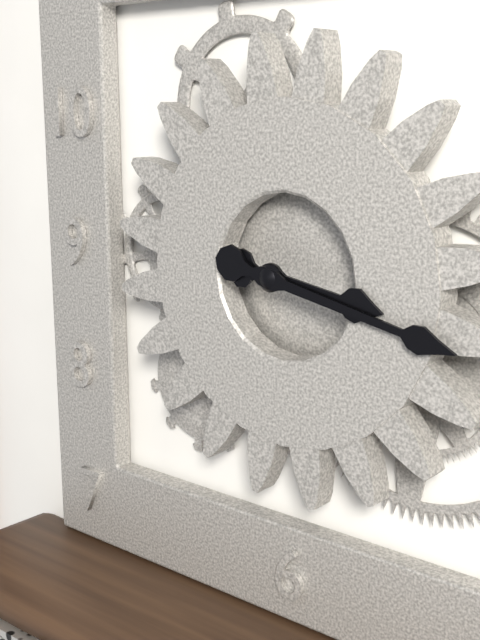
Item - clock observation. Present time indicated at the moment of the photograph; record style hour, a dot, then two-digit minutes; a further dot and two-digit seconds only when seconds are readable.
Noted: 3.17
